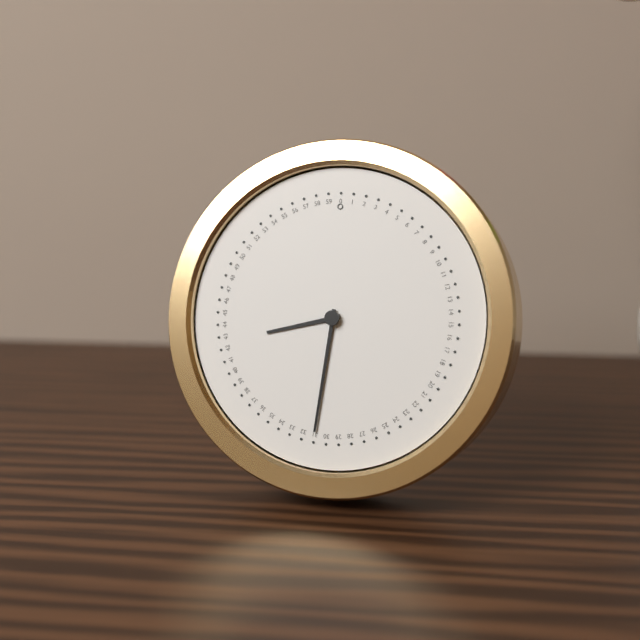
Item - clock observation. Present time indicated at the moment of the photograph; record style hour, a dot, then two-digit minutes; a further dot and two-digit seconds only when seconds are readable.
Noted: 8.31
